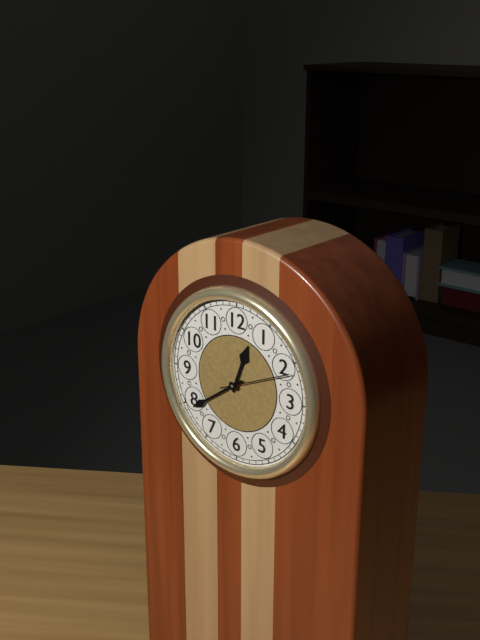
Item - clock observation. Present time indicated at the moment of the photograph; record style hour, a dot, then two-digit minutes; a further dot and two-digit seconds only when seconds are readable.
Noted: 12.39.11
